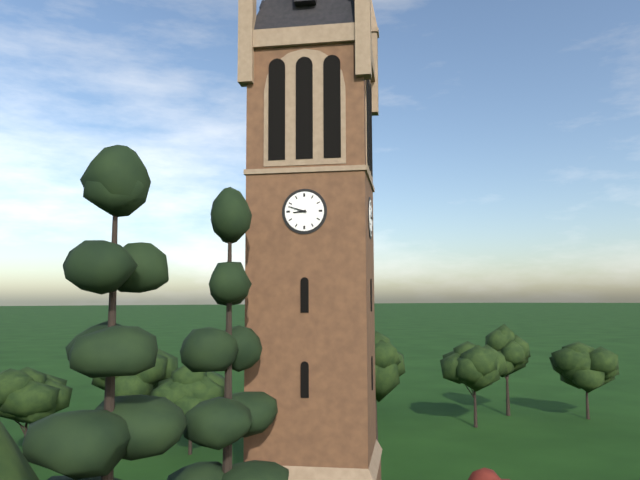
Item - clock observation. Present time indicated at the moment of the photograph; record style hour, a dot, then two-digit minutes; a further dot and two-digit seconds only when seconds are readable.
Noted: 8.48
